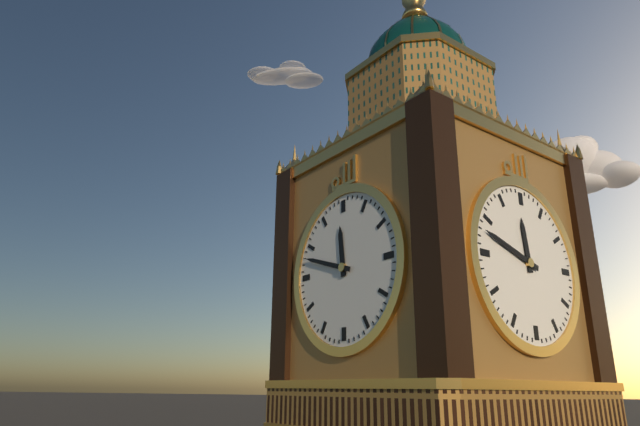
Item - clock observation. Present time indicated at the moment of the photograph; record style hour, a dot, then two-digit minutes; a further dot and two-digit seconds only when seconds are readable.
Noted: 11.48
